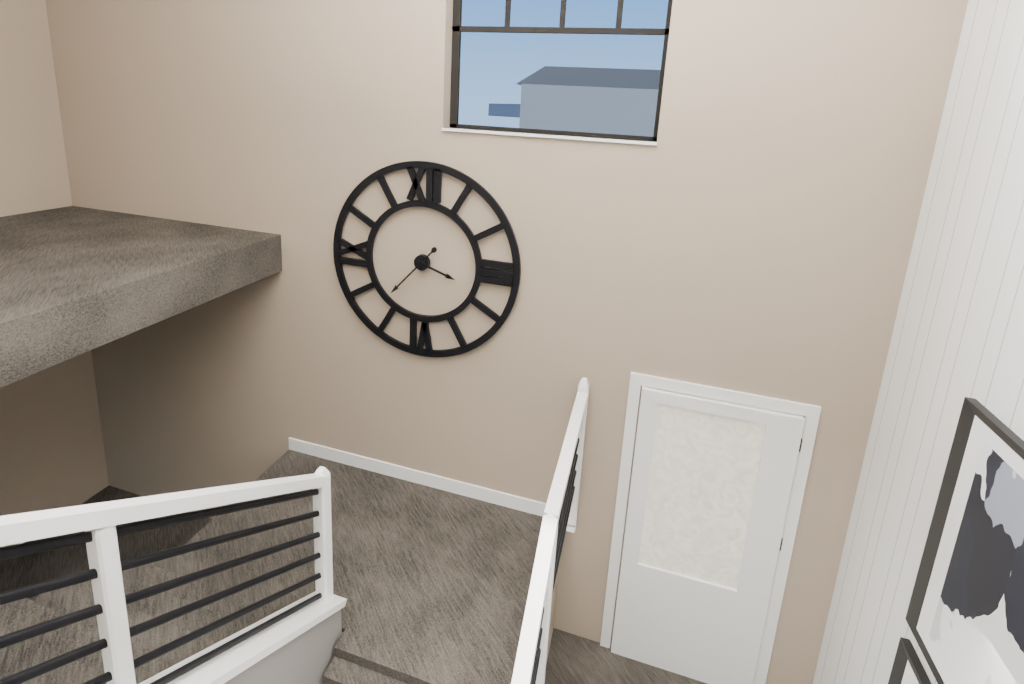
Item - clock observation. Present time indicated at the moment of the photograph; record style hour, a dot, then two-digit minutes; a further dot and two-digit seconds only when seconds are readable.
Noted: 3.37
